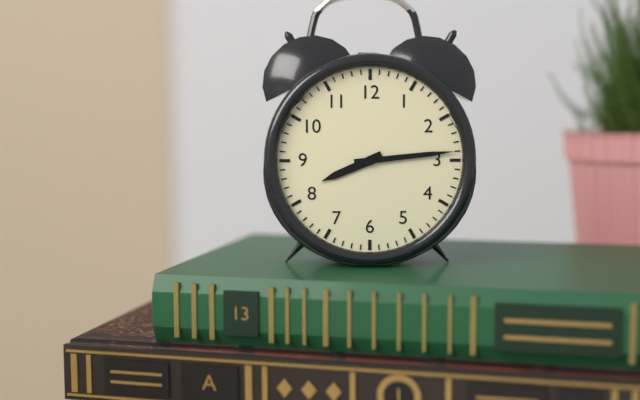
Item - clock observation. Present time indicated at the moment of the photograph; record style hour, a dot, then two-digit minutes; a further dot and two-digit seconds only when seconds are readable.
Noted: 8.14
